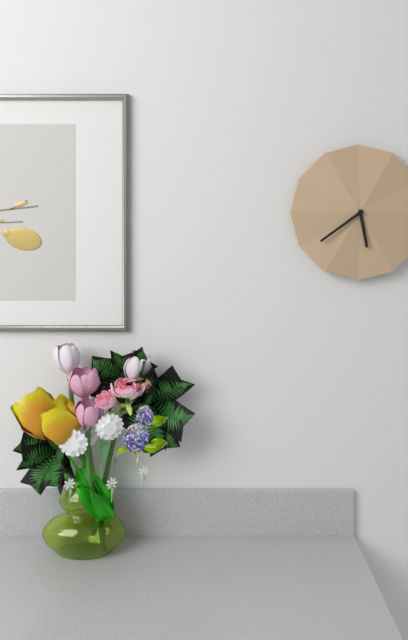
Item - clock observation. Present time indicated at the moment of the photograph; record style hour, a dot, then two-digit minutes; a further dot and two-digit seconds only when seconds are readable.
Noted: 5.39
